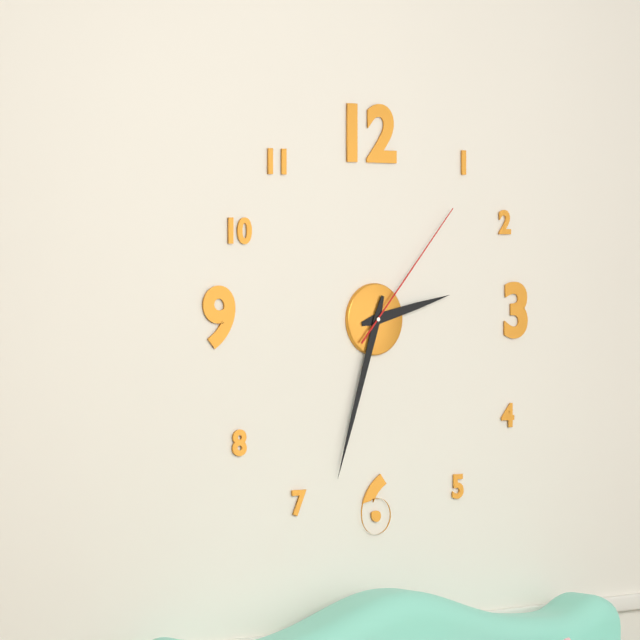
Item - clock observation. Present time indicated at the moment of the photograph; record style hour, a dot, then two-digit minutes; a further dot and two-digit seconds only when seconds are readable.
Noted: 2.33.07
